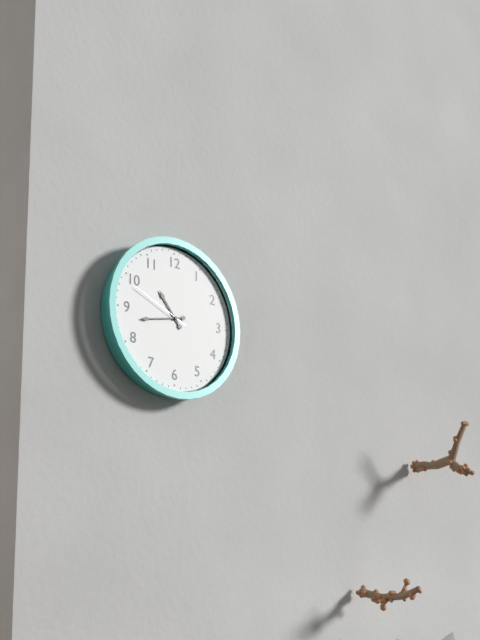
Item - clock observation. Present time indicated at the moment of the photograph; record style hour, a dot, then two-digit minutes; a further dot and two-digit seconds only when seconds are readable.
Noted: 10.43.49
